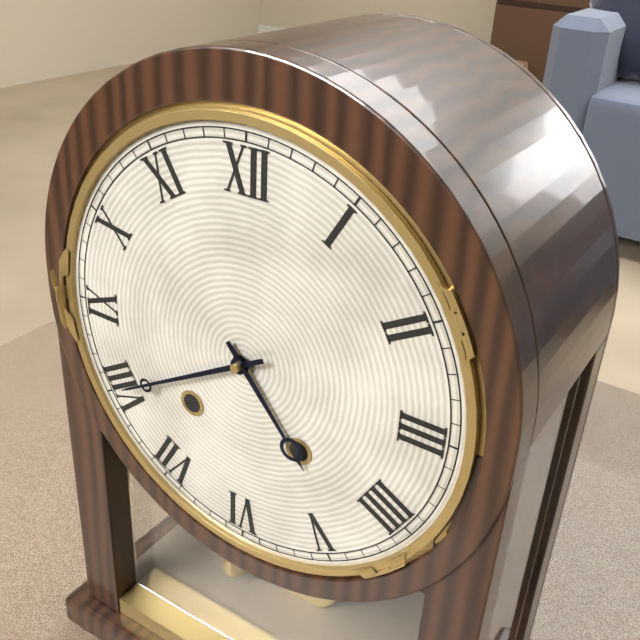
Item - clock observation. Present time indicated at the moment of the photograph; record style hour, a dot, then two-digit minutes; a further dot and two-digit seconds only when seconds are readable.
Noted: 4.40
